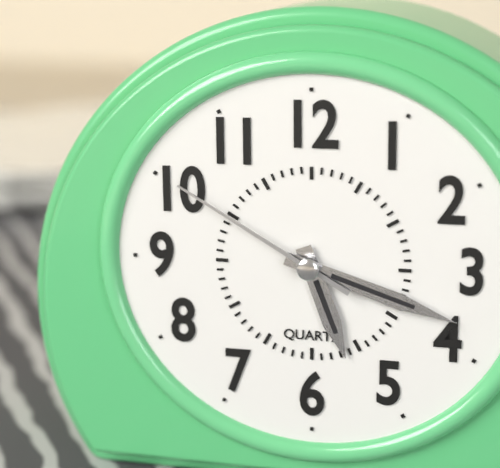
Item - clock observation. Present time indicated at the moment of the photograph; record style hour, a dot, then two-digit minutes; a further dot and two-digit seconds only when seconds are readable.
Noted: 5.18.50
